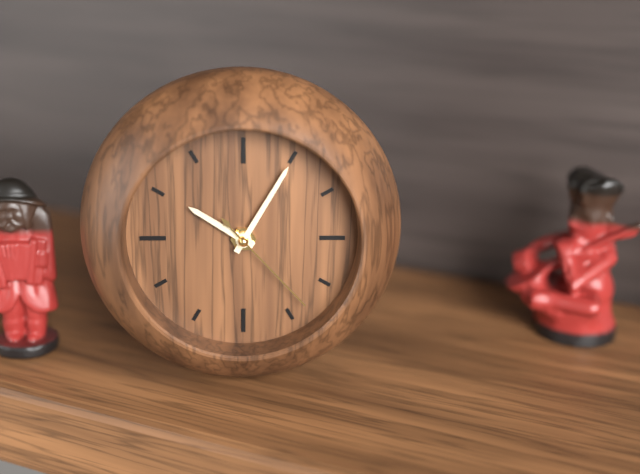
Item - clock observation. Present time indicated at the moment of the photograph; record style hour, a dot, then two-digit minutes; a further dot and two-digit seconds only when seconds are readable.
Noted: 10.05.23
